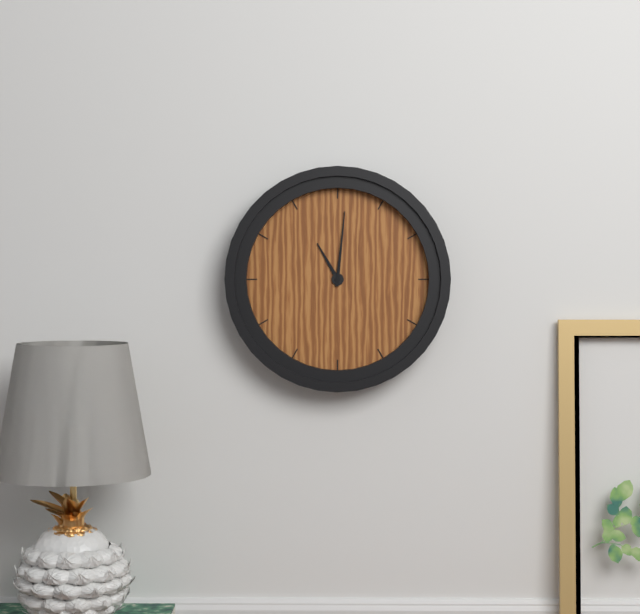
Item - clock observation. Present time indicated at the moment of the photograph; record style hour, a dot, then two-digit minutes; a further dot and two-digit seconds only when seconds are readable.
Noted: 11.01
